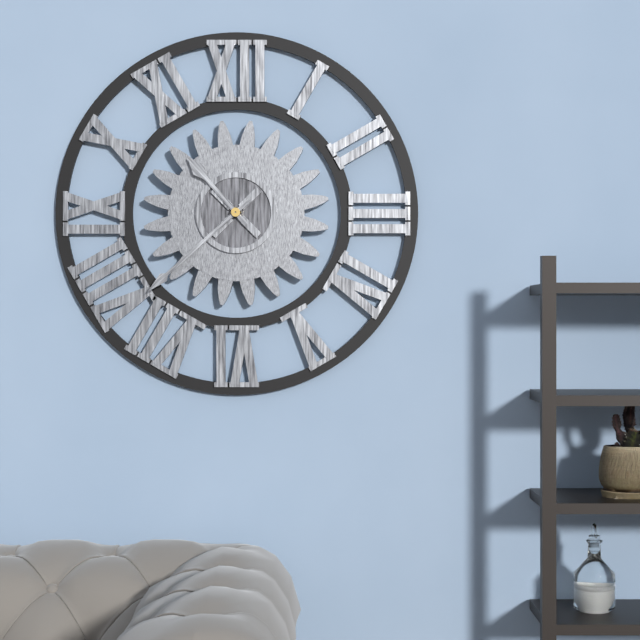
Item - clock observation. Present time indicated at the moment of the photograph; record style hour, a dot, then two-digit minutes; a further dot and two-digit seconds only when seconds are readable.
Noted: 10.38
